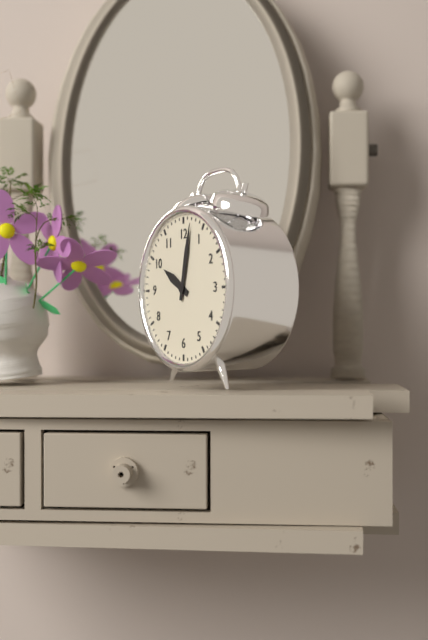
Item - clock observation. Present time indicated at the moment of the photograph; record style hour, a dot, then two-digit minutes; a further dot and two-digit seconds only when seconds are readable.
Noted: 10.02
